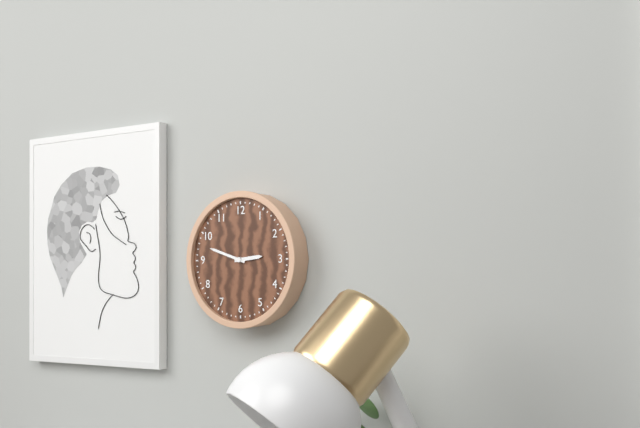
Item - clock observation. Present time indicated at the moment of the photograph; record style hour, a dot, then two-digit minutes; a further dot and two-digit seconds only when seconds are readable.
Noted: 2.48
